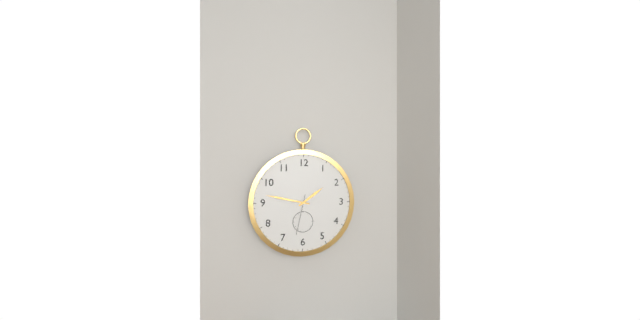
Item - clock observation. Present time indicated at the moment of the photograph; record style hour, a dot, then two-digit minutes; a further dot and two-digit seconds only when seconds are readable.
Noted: 1.47
